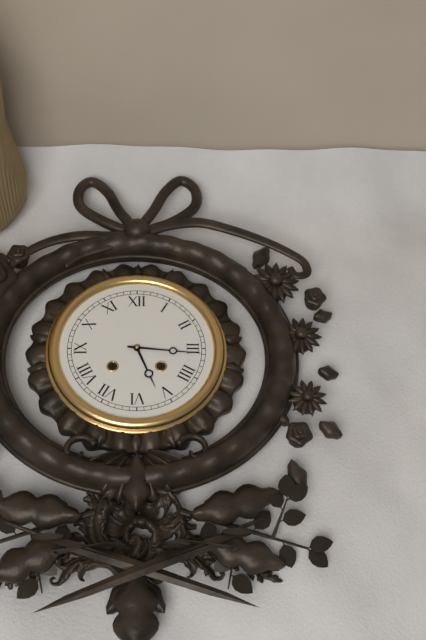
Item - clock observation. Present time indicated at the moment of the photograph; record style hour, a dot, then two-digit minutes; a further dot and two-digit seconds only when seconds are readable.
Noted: 5.16
